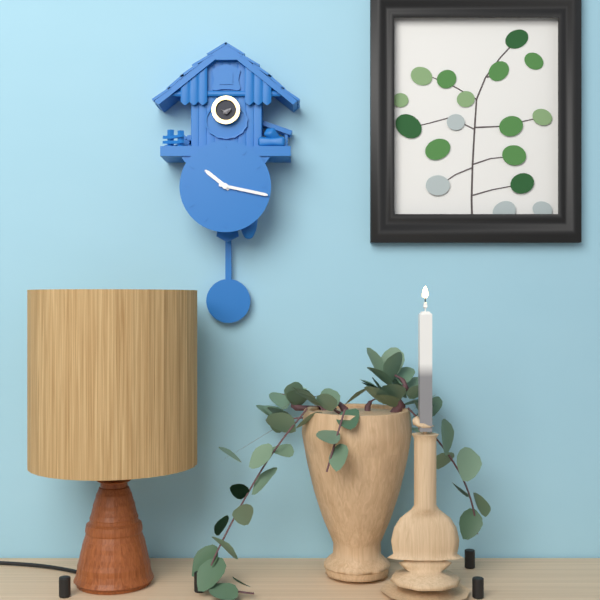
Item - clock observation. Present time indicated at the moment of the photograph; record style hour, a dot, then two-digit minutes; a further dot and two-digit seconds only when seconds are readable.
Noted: 10.17
